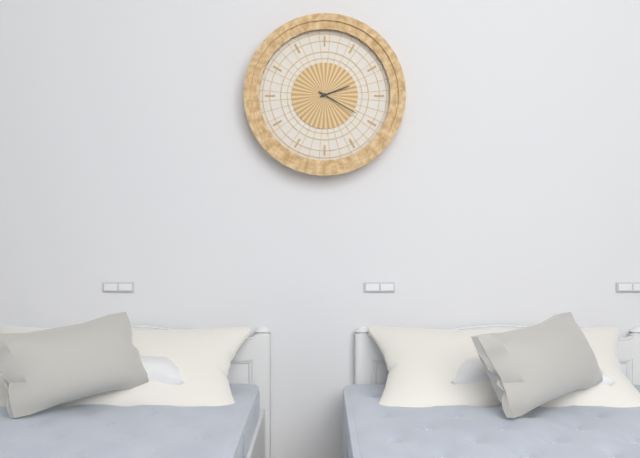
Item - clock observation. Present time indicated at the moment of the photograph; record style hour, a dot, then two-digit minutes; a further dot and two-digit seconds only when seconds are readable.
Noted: 2.20
